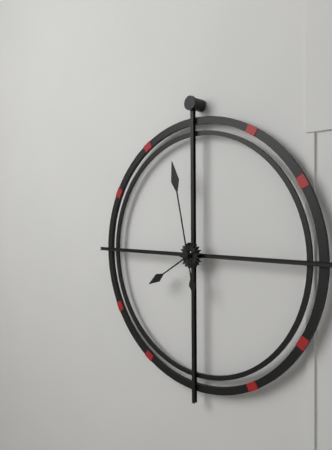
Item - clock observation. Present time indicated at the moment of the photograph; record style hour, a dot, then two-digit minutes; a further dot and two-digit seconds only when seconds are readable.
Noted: 7.58
